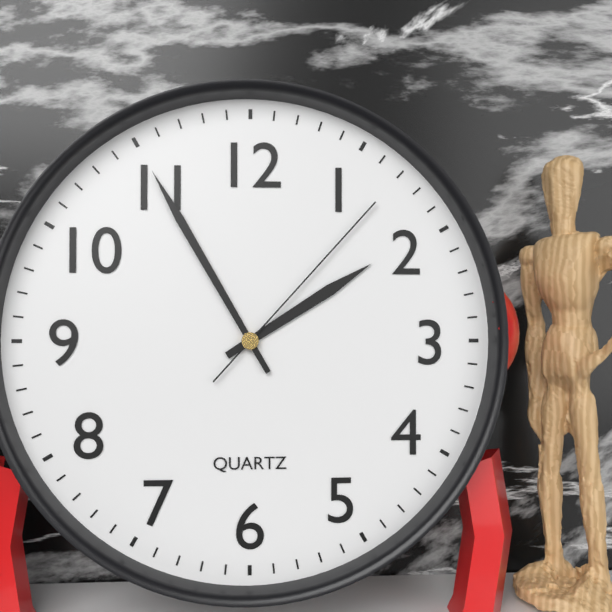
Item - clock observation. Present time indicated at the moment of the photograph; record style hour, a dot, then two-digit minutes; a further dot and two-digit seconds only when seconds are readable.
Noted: 1.55.07
